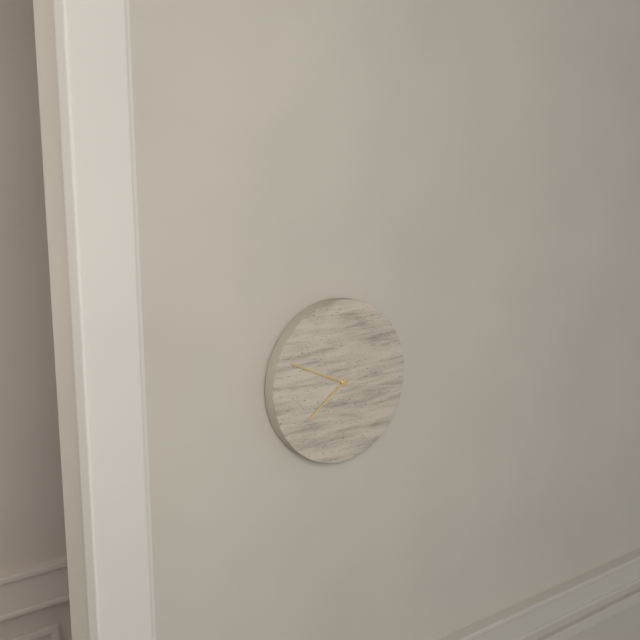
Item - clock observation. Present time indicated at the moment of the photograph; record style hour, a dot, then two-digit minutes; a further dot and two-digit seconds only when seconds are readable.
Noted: 7.49
